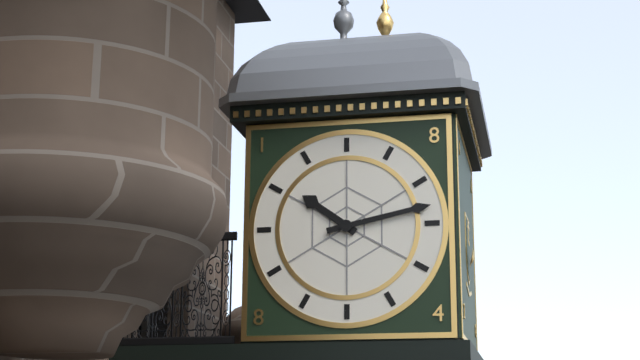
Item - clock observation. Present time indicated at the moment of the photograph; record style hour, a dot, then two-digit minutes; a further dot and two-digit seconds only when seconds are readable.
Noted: 10.13
